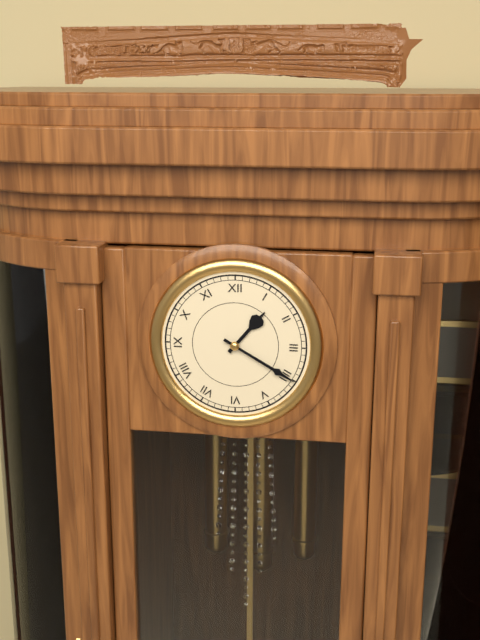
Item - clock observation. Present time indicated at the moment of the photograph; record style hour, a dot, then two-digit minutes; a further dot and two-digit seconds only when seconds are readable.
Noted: 1.20
